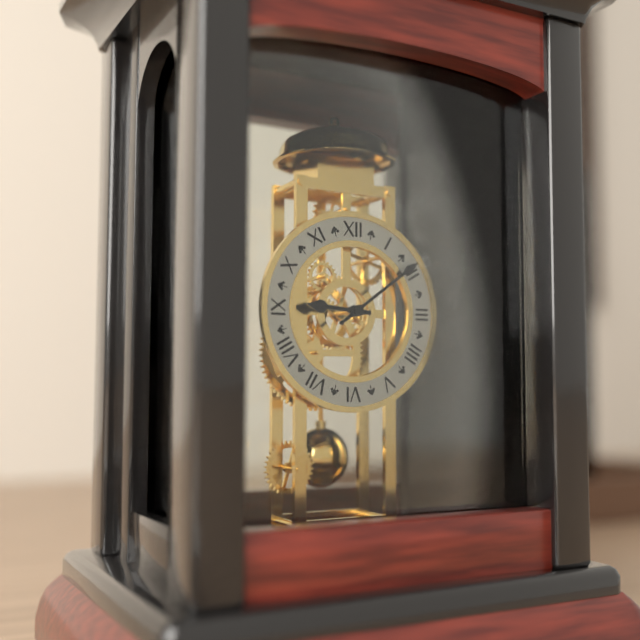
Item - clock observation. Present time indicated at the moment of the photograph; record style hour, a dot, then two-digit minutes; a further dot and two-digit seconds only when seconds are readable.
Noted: 9.09
